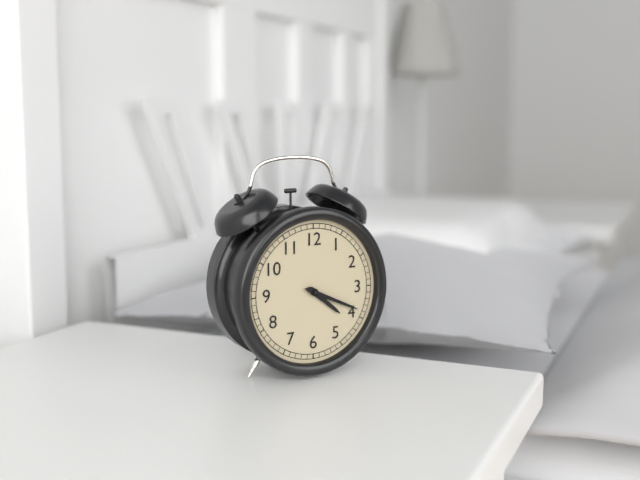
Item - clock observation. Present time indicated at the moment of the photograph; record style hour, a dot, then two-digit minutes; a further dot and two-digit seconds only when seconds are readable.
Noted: 4.19
